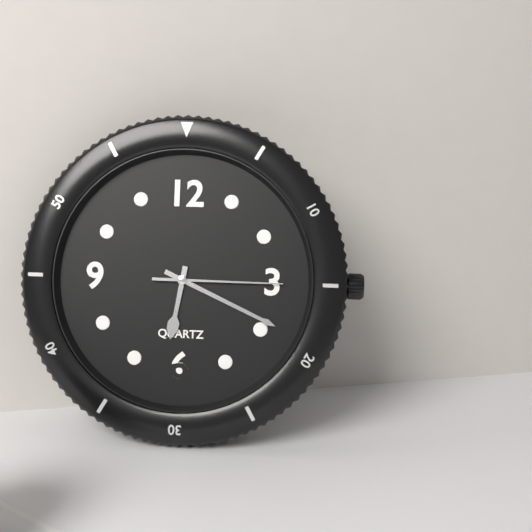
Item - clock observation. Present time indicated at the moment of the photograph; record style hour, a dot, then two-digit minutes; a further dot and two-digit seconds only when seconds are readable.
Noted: 6.19.15
